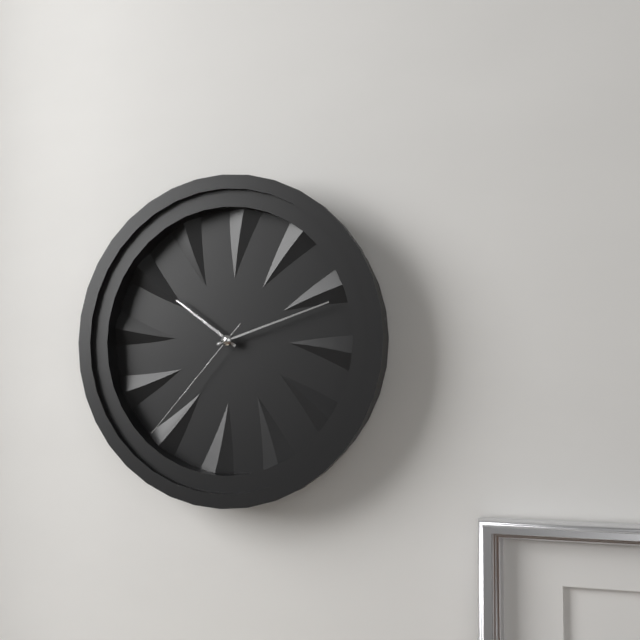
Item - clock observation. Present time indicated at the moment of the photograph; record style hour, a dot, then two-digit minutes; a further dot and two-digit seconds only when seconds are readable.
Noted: 10.12.37
